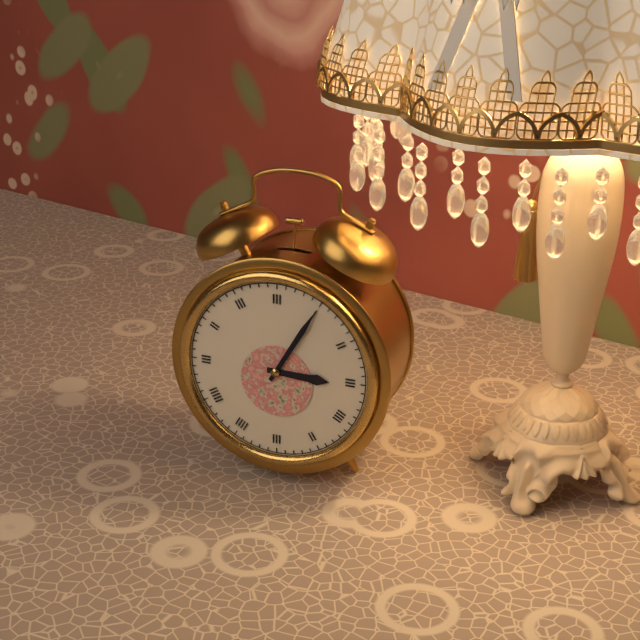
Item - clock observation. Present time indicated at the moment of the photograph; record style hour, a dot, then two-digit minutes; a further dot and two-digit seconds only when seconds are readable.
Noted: 3.05
